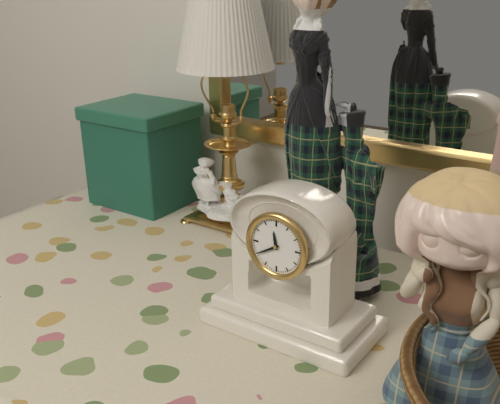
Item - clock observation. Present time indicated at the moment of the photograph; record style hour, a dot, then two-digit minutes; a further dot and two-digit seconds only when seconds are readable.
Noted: 11.40
